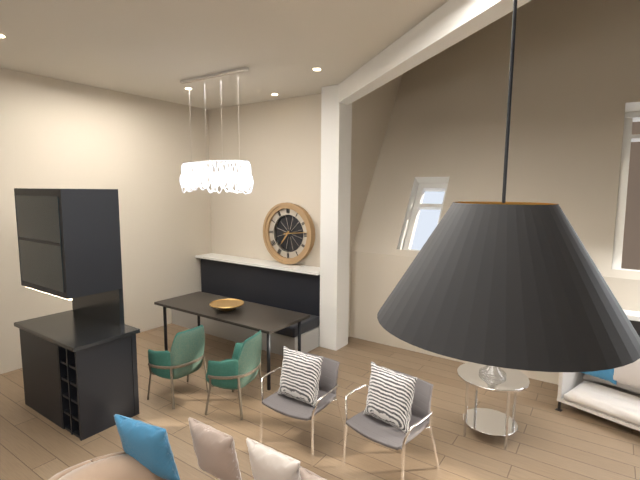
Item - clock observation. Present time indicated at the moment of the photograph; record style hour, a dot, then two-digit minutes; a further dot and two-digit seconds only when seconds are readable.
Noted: 7.14
